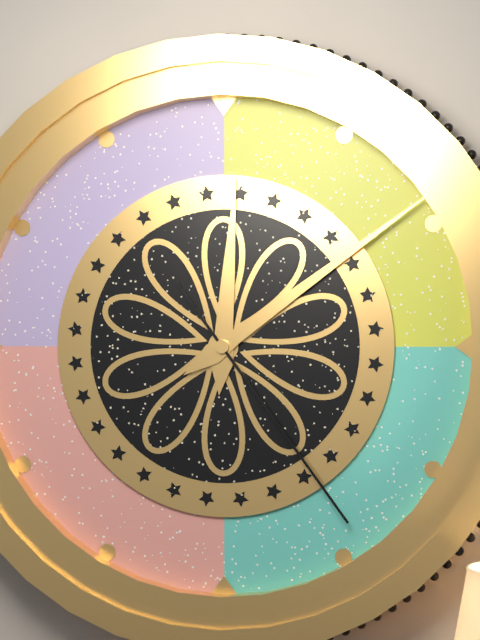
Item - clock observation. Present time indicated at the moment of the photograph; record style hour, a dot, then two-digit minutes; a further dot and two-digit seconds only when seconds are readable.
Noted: 12.09.24
